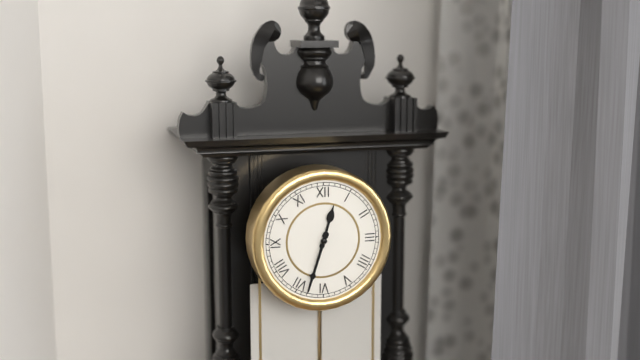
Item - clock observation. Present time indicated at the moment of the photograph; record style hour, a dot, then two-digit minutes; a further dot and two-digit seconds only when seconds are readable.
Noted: 12.33
